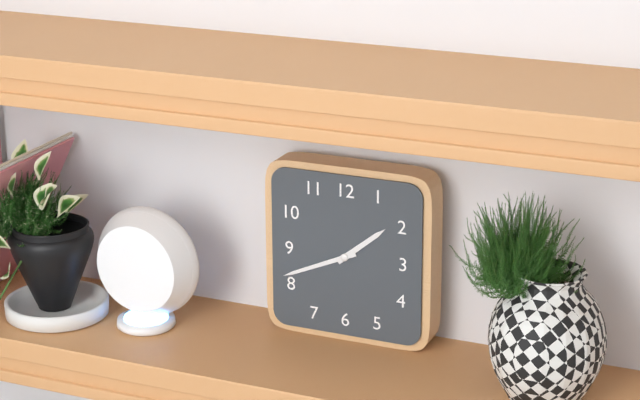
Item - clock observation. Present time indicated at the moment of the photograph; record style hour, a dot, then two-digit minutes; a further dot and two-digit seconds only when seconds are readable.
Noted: 1.41
